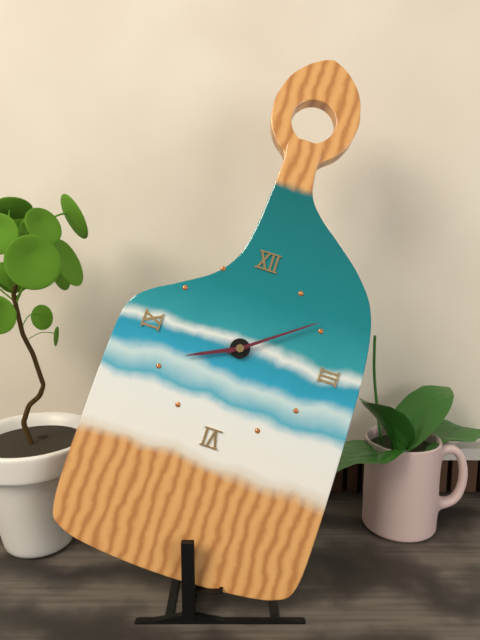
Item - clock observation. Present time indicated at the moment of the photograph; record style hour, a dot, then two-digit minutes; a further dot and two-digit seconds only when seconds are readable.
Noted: 8.09
